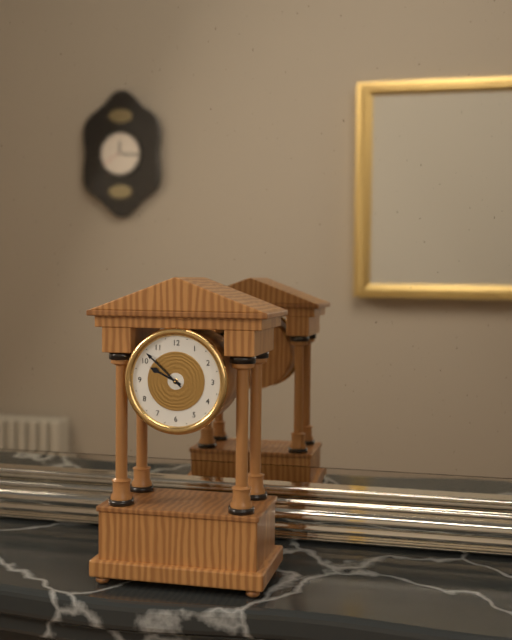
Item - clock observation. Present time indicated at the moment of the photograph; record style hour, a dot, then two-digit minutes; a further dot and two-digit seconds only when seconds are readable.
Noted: 9.52
